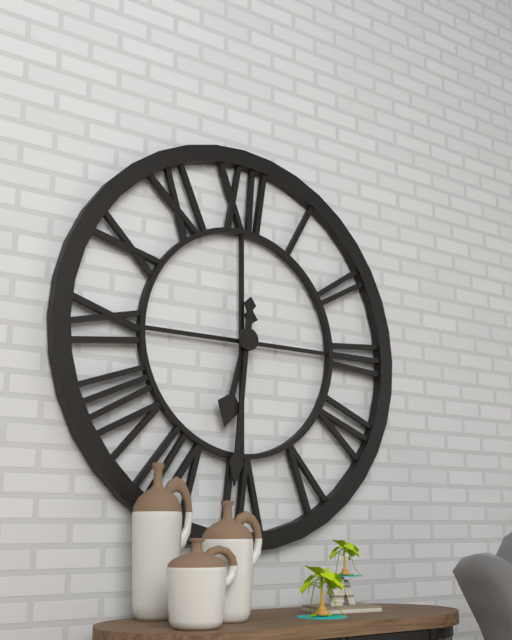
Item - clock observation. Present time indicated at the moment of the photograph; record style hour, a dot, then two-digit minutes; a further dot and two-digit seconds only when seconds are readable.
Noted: 6.31
